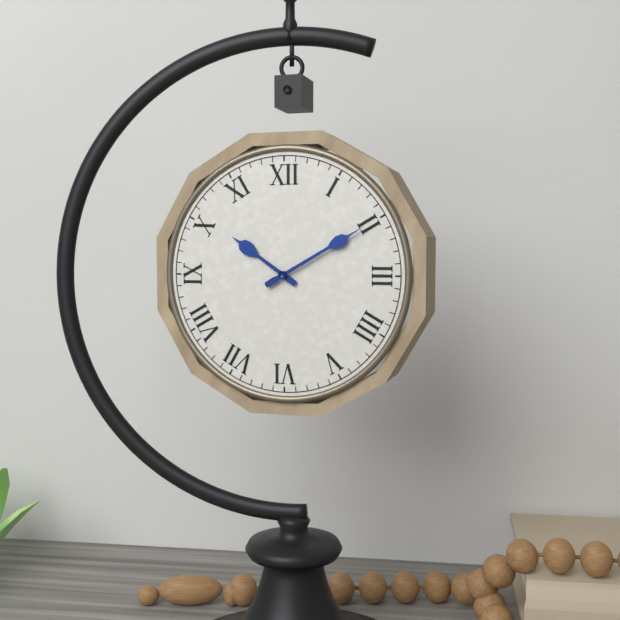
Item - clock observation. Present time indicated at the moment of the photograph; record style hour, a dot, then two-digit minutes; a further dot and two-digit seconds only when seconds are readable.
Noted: 10.10
